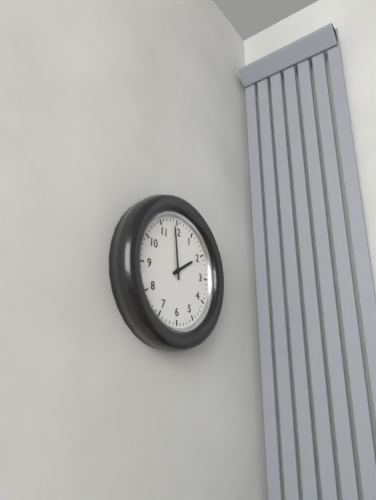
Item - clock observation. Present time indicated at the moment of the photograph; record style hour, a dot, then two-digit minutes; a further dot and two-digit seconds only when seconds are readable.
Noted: 1.59
